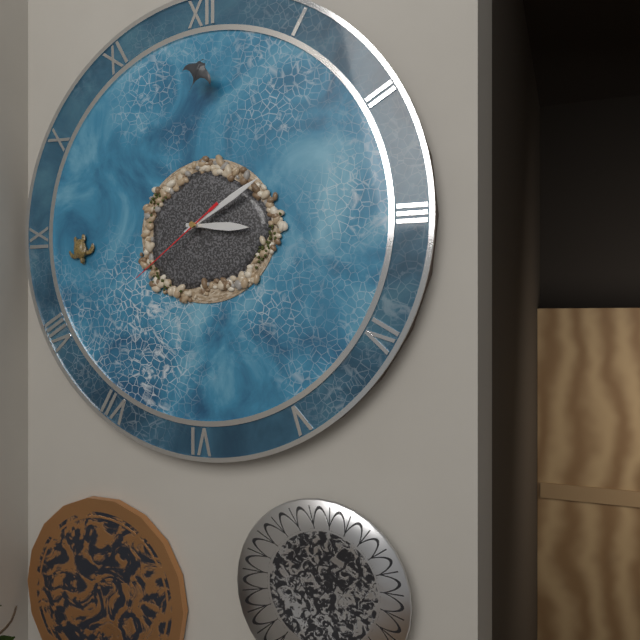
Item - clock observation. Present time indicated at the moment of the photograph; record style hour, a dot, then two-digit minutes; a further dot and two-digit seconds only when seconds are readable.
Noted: 3.10.39
